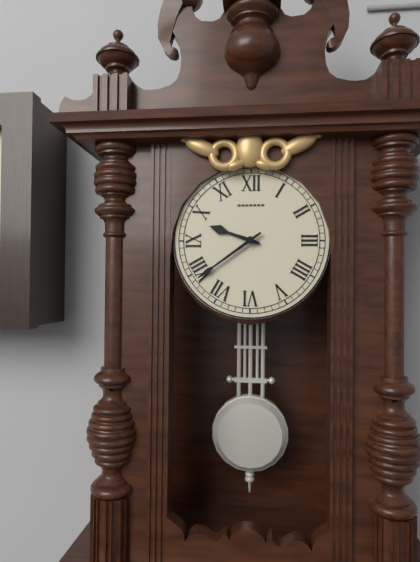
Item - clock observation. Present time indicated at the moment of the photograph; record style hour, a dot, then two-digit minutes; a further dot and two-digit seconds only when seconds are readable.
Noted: 9.39
